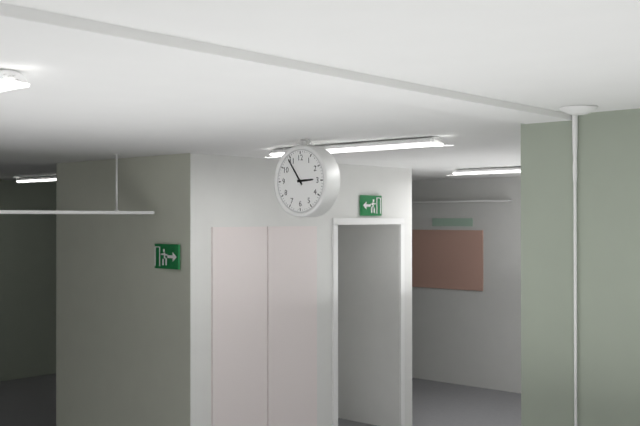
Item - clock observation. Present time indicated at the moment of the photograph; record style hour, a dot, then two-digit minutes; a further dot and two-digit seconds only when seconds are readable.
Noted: 2.54
